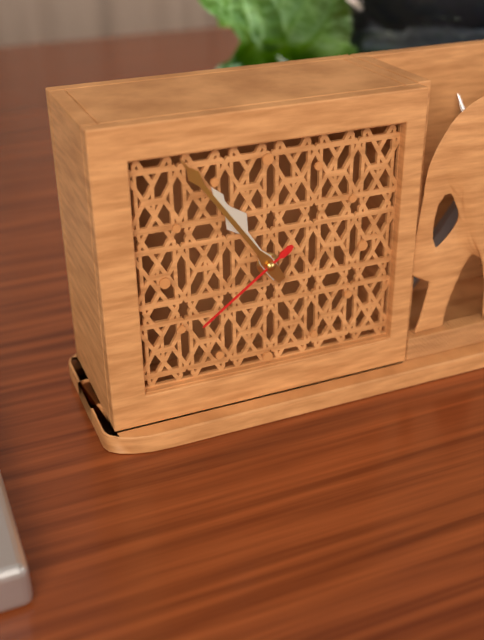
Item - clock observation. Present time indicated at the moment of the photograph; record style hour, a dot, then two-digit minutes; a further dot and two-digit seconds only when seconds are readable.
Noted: 10.54.39
